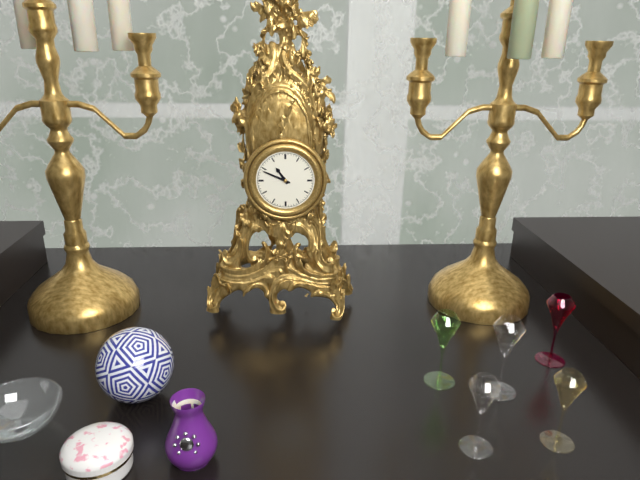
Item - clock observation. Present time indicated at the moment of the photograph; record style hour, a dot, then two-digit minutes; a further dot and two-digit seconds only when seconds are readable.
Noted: 10.49
